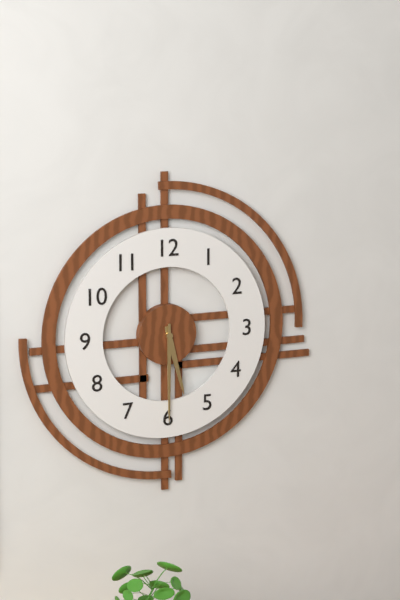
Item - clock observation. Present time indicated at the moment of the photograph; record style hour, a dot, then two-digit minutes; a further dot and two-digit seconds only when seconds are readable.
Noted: 5.30
